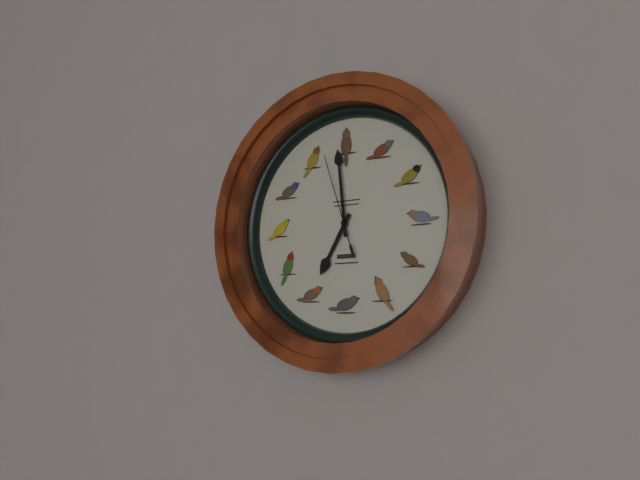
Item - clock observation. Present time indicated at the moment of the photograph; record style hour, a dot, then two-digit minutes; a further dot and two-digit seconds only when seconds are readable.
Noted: 6.59.57
